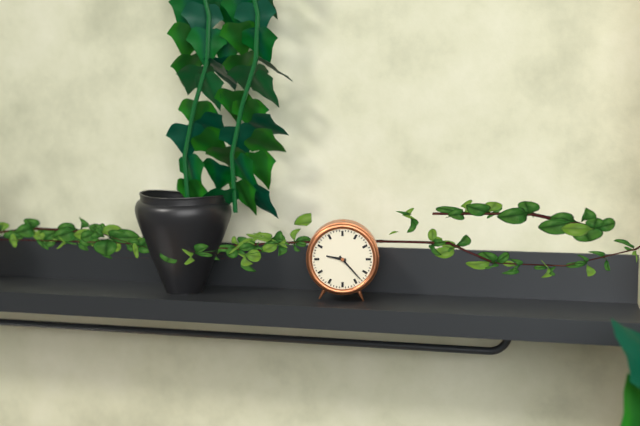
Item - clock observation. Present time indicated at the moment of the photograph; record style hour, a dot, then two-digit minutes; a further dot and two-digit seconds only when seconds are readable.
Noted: 9.23
